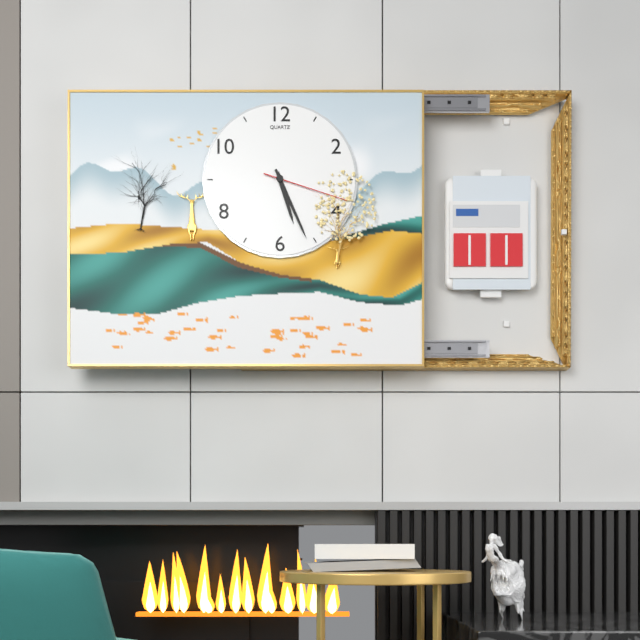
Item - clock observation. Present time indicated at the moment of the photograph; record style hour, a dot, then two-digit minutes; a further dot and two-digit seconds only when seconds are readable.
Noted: 5.26.18
